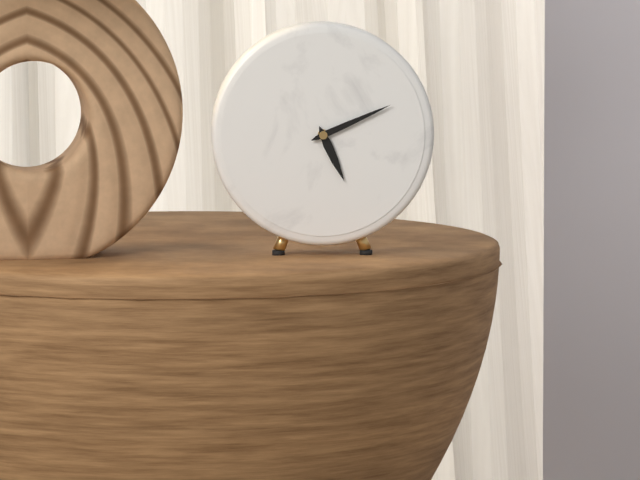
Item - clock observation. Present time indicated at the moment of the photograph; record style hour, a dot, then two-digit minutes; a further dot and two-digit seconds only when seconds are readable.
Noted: 5.11
